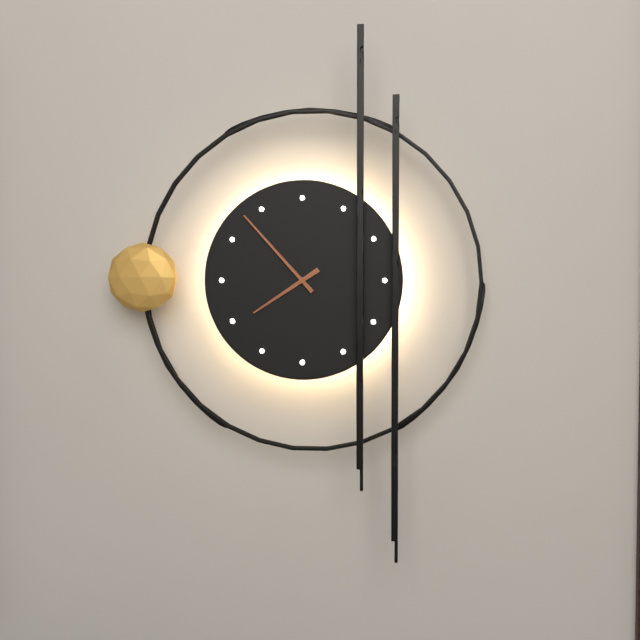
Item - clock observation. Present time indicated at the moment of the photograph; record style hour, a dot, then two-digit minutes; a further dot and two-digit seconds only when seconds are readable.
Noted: 7.53
